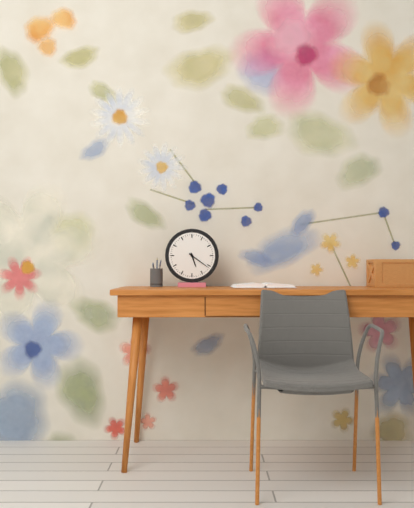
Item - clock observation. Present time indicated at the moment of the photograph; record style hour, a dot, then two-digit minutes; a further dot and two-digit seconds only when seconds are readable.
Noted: 5.21
